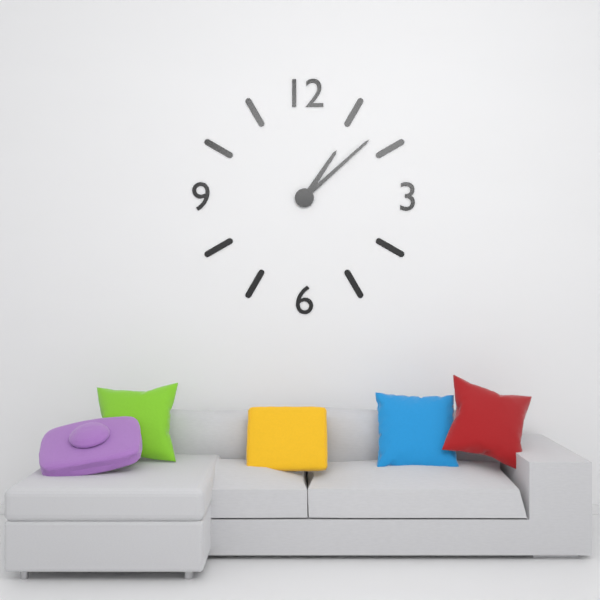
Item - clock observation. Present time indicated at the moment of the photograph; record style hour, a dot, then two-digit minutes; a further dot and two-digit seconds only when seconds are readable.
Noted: 1.08
